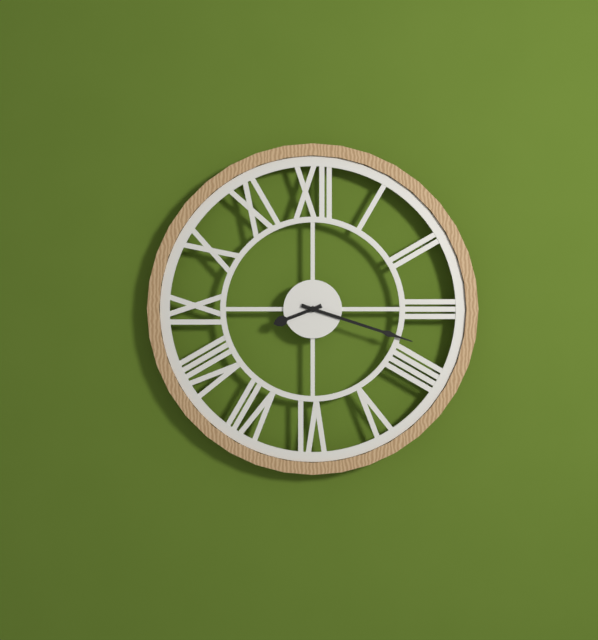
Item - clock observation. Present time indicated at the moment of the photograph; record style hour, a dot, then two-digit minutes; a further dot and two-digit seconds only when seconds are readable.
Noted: 8.18
